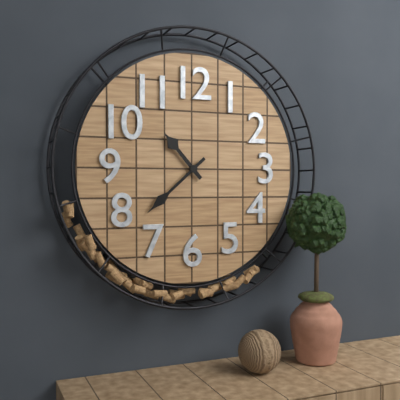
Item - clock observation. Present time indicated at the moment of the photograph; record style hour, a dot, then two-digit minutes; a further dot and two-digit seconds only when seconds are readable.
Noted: 10.38
